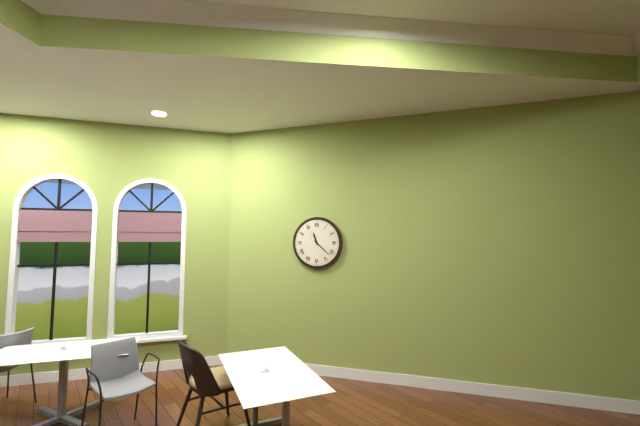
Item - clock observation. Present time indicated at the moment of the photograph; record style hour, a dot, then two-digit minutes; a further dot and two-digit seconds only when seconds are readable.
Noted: 11.22
